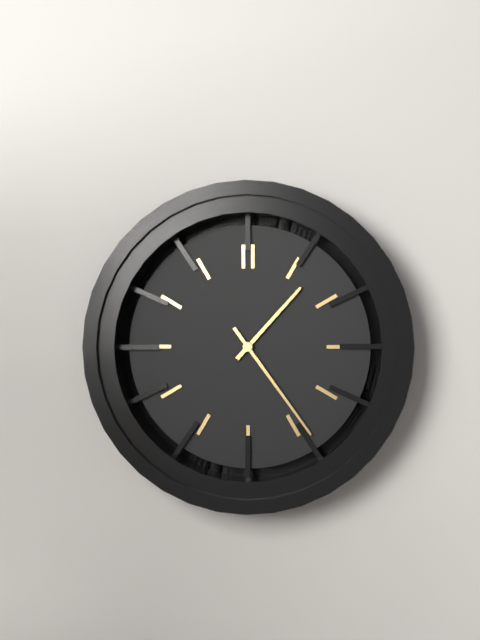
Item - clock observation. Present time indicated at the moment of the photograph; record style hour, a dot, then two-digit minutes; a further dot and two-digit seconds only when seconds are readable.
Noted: 1.24
